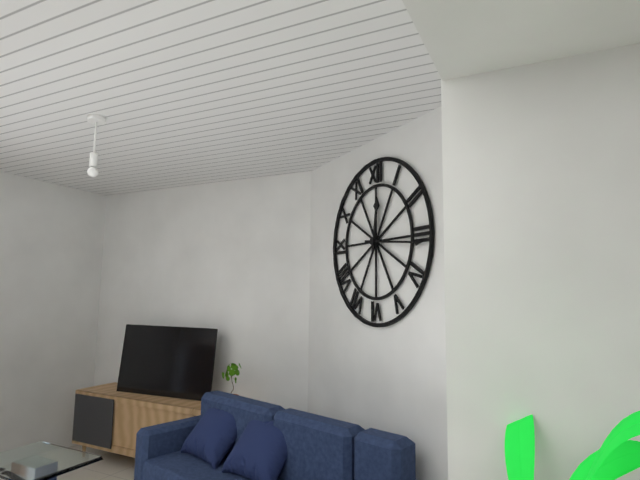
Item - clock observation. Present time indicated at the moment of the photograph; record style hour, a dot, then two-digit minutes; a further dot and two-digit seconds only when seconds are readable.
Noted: 12.16
